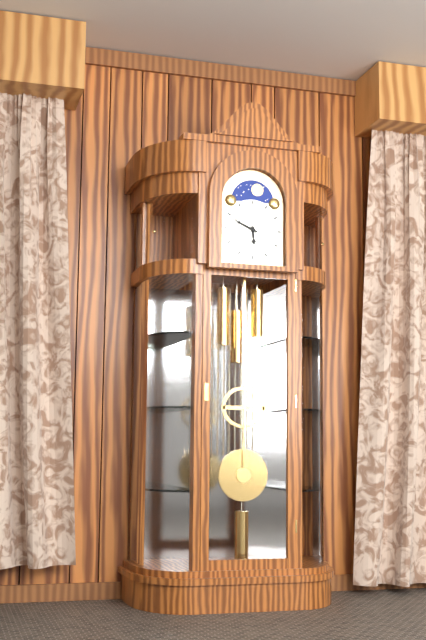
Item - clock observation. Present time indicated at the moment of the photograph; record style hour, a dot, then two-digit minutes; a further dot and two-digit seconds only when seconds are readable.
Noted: 5.49
